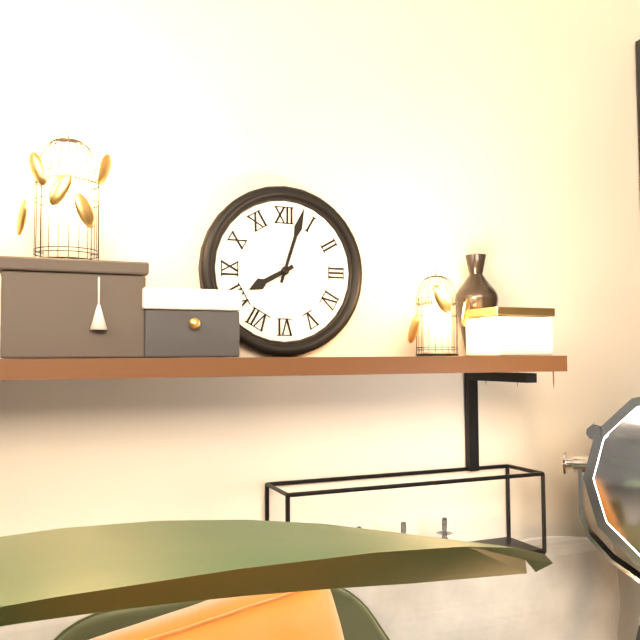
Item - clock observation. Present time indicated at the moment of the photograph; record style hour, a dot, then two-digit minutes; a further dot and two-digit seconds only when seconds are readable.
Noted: 8.03
